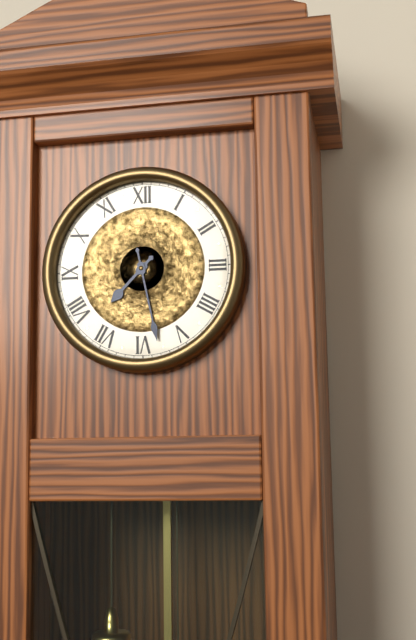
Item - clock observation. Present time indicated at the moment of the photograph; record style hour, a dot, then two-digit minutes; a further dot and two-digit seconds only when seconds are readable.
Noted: 7.28
